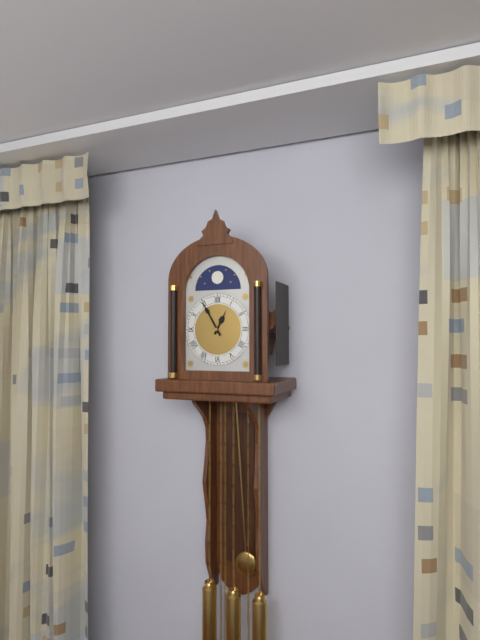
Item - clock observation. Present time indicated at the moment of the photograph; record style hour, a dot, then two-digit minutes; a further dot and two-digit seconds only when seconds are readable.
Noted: 12.55
